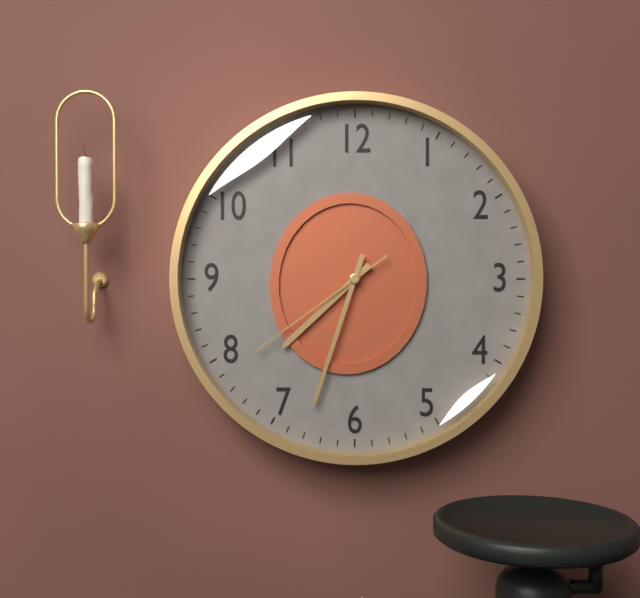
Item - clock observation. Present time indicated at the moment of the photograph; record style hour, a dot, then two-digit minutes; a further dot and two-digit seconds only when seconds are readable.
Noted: 7.33.39
